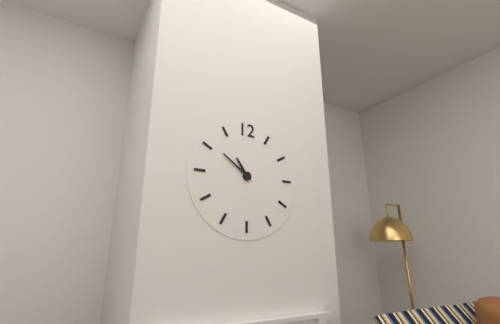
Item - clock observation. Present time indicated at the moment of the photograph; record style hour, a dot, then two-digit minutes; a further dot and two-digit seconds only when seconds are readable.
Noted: 10.51
